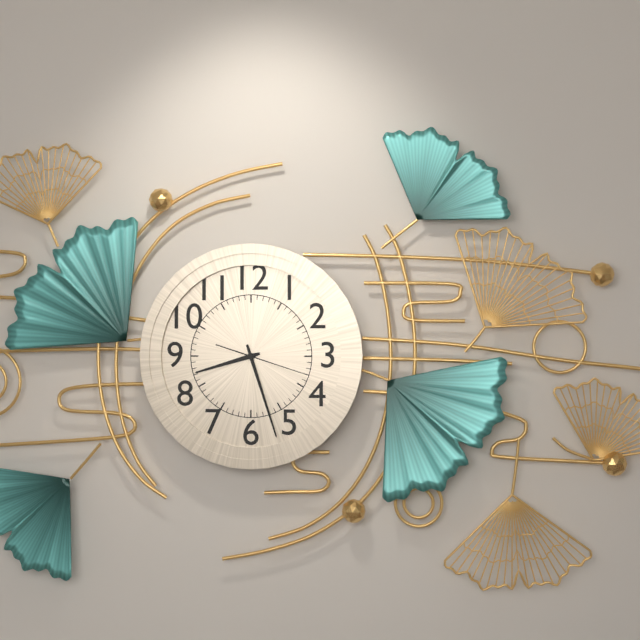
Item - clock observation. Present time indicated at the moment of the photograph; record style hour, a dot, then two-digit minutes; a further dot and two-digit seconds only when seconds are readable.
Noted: 8.27.18
